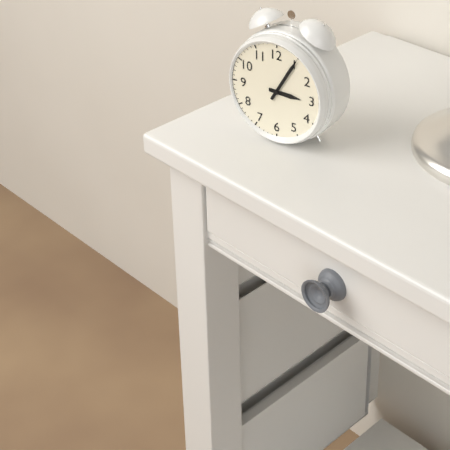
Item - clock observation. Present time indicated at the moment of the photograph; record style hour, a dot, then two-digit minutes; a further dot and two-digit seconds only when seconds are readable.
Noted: 3.05
